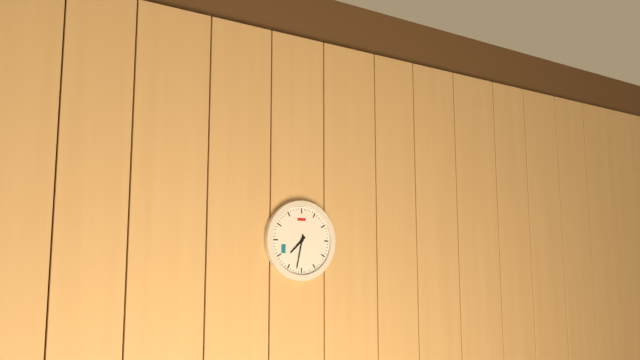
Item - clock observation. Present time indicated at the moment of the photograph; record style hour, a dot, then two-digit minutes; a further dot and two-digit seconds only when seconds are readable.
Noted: 7.32
